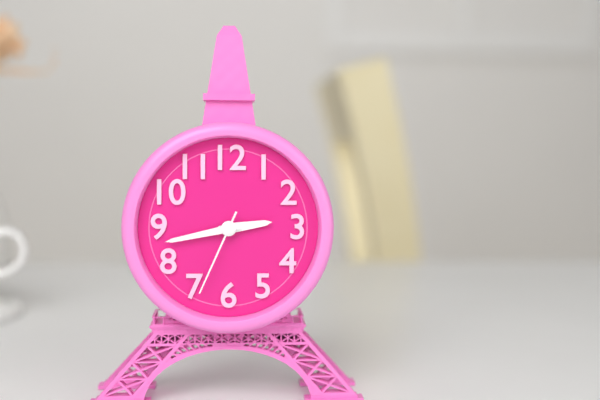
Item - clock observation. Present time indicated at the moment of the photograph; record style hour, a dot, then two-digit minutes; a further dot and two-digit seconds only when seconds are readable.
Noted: 2.43.34
